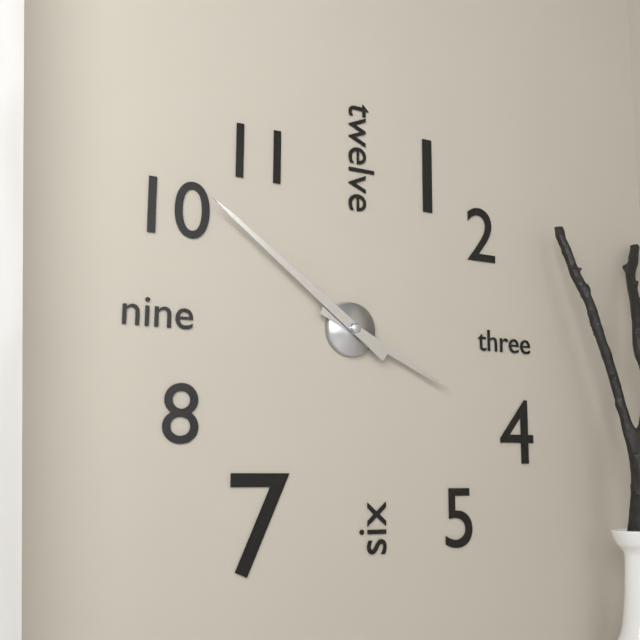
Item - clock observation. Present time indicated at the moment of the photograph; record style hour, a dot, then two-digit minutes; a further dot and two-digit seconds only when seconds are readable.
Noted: 3.51
